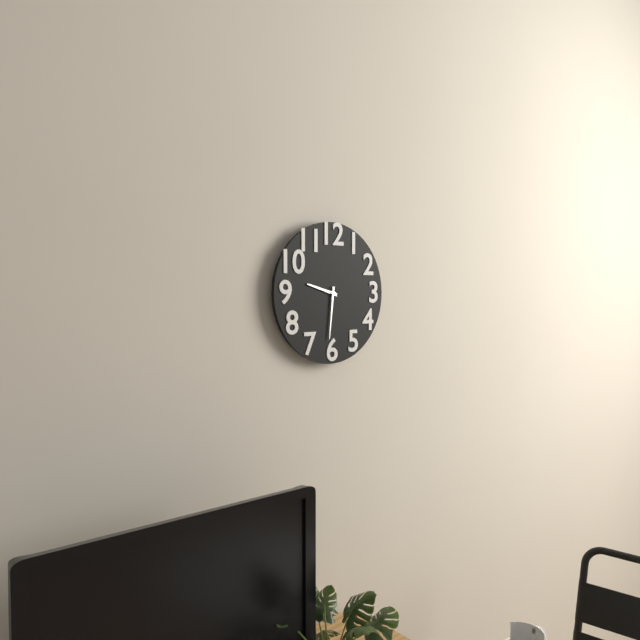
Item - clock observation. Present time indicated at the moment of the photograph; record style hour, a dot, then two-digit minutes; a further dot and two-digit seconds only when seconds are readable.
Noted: 9.31
